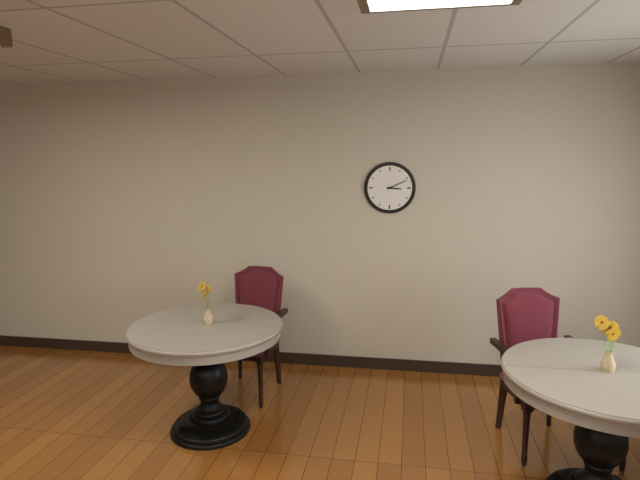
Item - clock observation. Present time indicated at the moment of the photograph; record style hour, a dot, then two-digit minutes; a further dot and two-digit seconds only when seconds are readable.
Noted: 3.11
